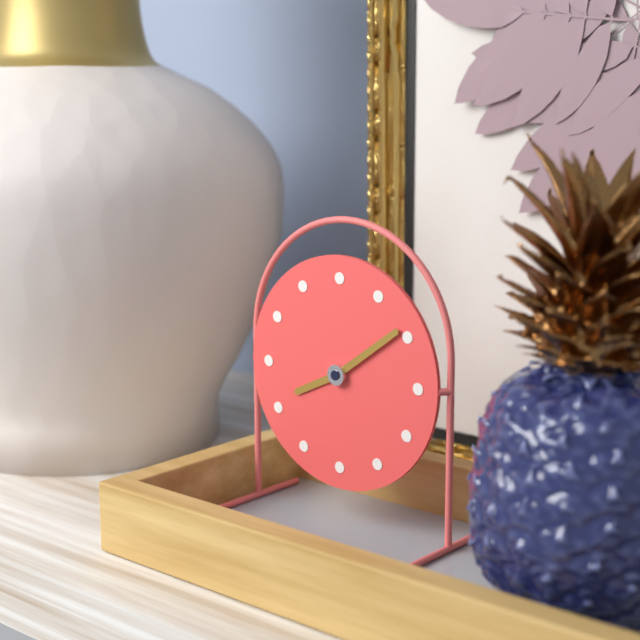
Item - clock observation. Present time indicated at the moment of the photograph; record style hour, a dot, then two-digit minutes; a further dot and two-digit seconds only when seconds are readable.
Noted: 8.09
